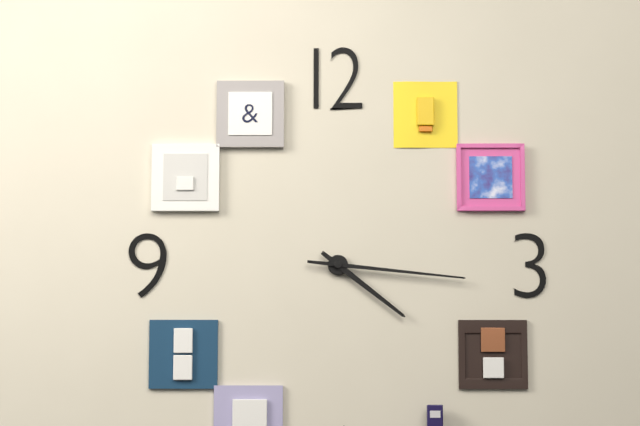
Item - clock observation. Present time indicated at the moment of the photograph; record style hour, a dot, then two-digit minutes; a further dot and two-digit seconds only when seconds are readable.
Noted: 4.16
